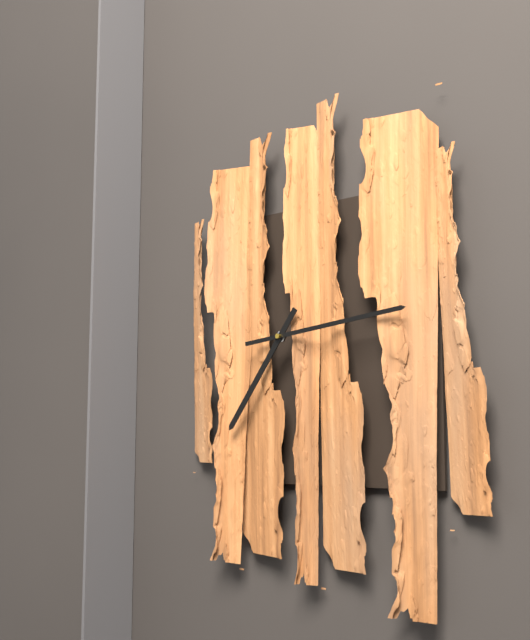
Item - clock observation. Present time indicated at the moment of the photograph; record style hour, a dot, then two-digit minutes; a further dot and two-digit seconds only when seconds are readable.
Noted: 7.14
